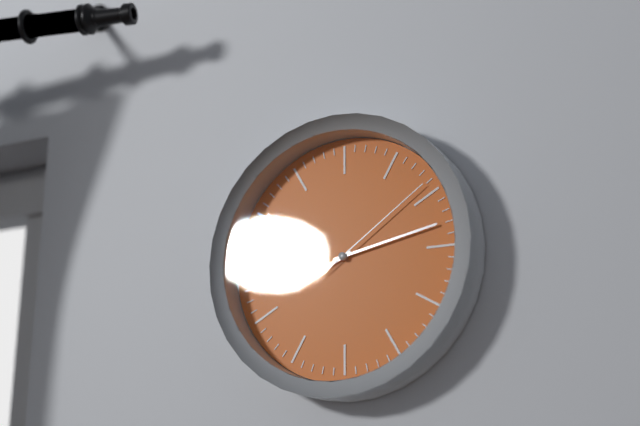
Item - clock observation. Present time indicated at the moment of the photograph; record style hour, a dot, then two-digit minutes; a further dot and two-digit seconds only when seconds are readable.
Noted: 8.13.09
